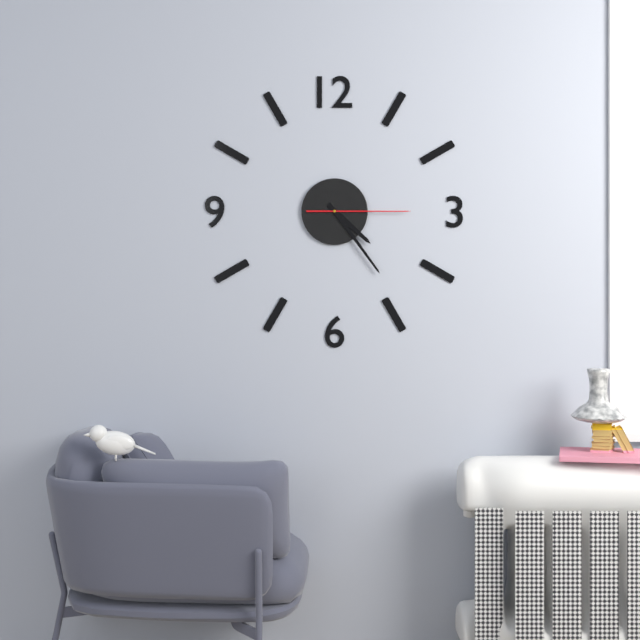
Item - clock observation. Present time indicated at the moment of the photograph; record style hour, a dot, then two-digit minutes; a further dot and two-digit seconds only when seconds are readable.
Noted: 4.24.15
